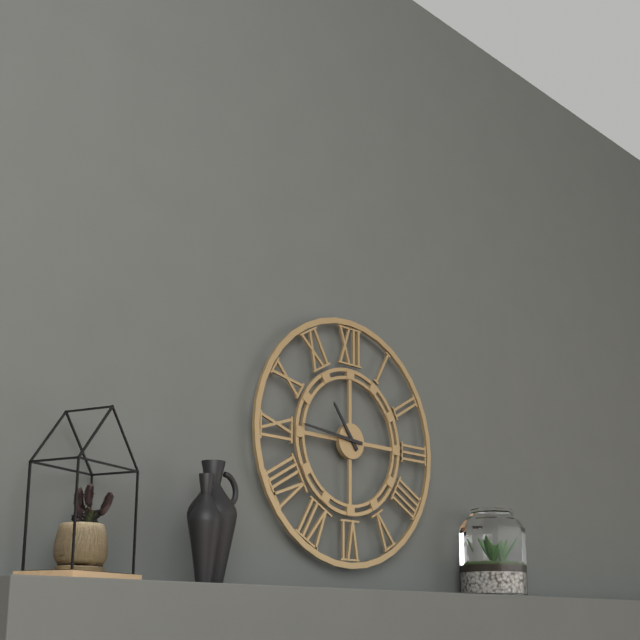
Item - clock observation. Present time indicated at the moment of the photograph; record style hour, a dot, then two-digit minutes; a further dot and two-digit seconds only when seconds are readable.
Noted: 10.46
